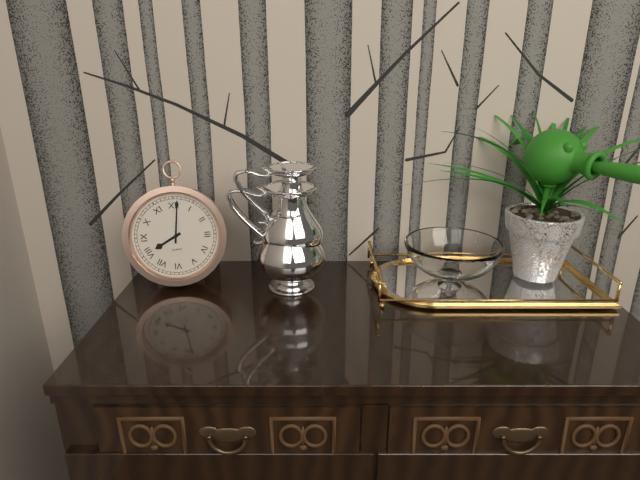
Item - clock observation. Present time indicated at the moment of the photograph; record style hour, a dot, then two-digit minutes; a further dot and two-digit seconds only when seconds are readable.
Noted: 8.01
